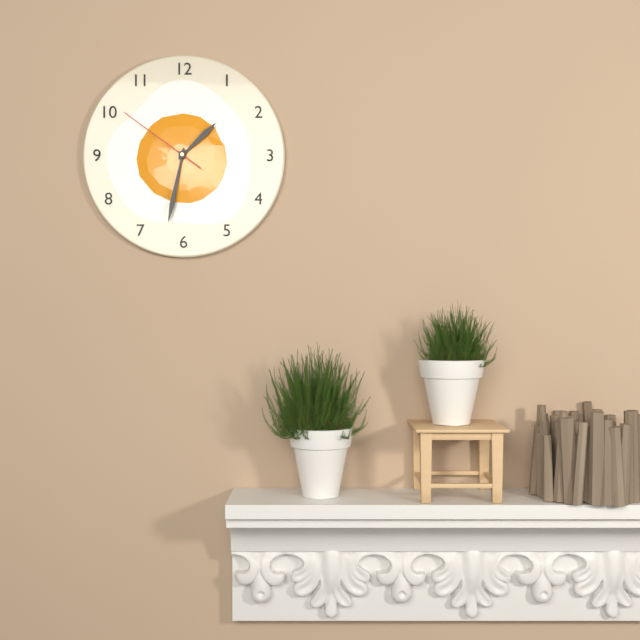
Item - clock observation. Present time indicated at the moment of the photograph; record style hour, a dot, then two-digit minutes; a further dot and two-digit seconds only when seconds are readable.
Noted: 1.32.51
